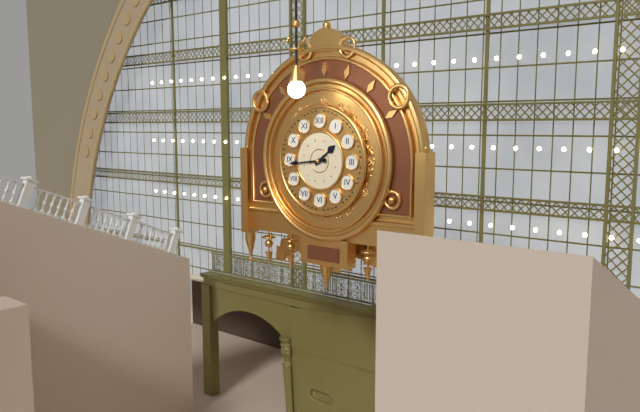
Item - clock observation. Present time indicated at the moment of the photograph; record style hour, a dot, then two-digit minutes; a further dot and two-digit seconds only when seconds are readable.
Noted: 1.44
